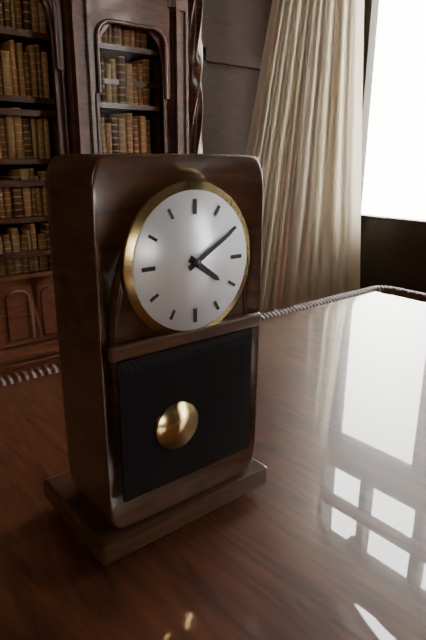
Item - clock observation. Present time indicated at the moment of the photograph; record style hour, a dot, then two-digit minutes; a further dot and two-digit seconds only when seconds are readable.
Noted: 4.10
